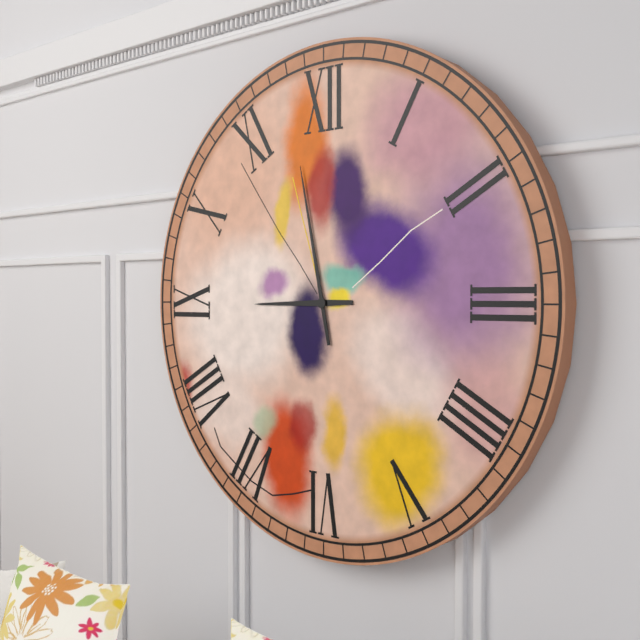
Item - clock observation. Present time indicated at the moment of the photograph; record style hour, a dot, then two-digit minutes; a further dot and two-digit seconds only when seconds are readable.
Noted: 8.58
